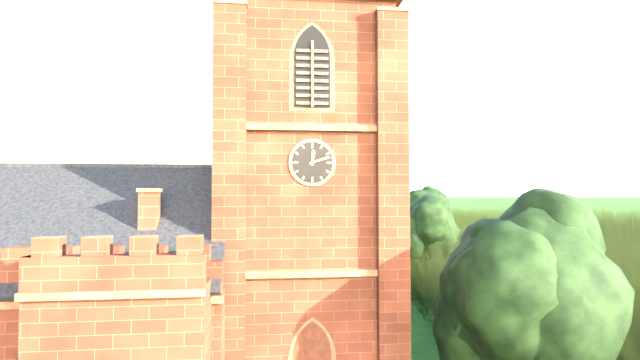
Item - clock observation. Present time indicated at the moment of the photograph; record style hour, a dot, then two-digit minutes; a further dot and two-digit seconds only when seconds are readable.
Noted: 12.12
